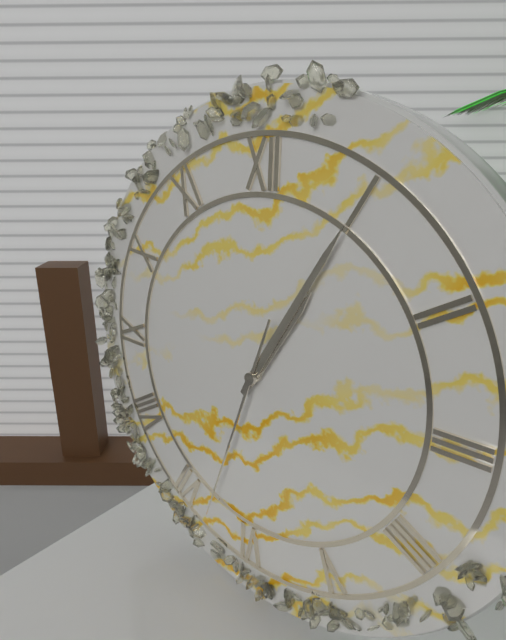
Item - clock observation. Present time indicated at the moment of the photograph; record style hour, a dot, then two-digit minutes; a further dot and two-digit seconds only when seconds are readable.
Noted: 1.05.33
